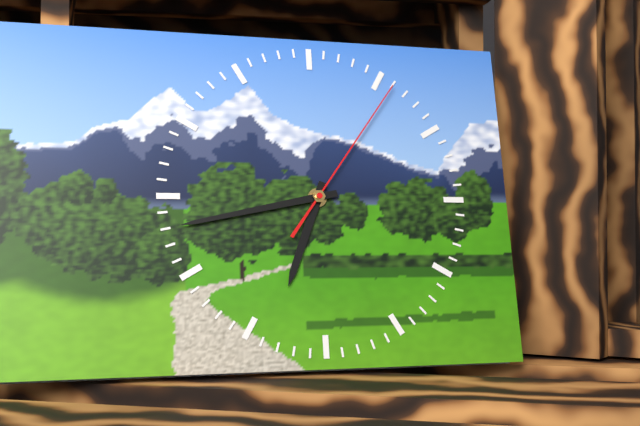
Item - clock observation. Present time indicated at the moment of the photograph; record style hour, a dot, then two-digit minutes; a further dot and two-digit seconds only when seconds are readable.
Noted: 6.43.06
